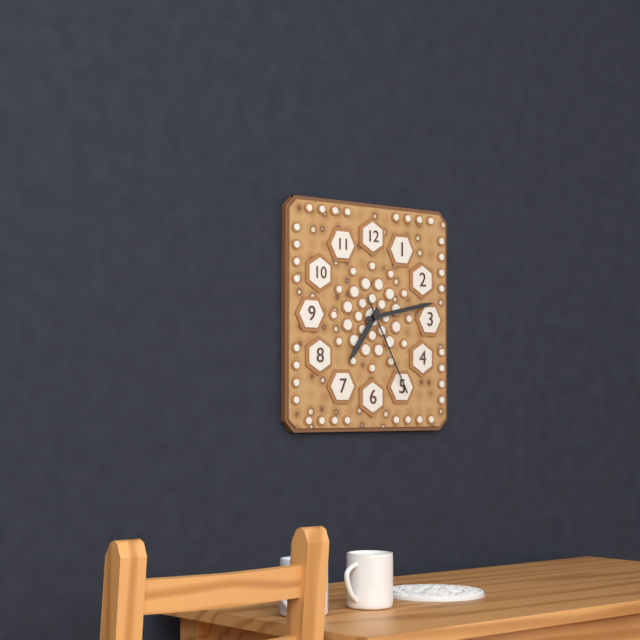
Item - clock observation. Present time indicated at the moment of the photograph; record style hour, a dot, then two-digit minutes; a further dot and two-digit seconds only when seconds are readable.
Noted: 7.13.25
